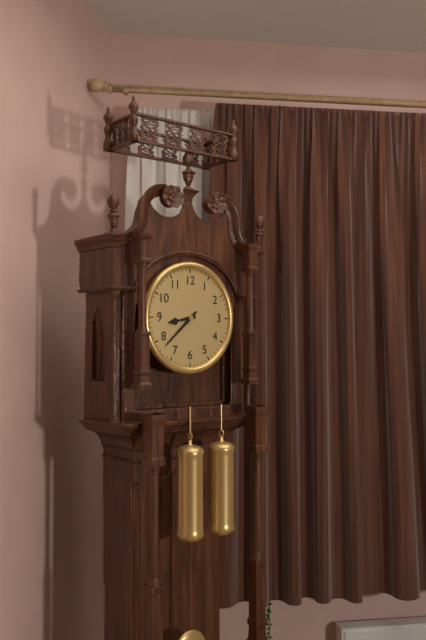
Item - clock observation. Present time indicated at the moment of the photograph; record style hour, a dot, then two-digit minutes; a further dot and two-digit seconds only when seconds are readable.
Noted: 8.38
